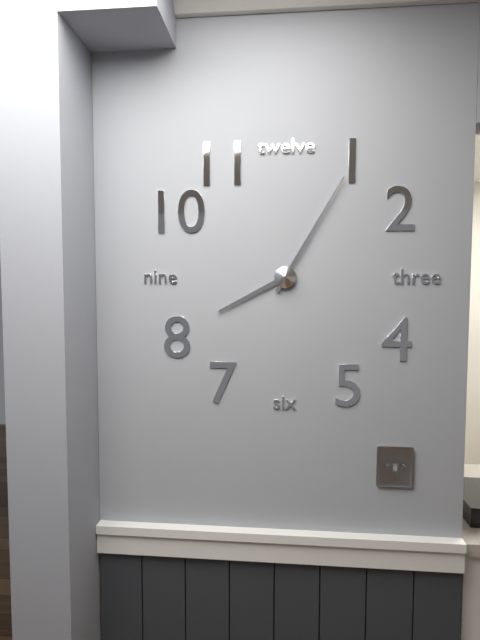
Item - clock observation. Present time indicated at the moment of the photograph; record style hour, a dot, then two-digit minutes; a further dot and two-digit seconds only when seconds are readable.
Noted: 8.05
